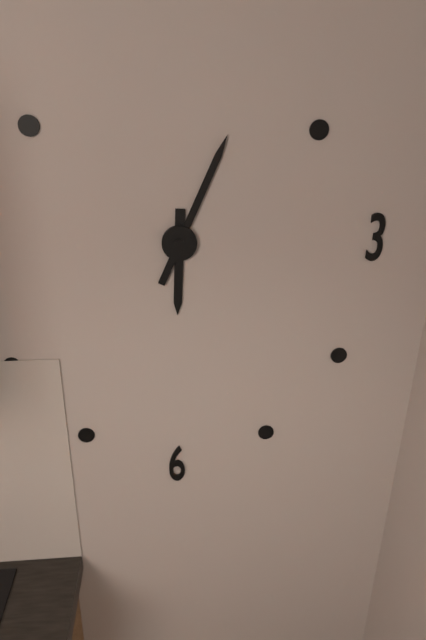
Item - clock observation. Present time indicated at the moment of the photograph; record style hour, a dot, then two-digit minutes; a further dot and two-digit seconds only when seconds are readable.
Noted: 6.04
